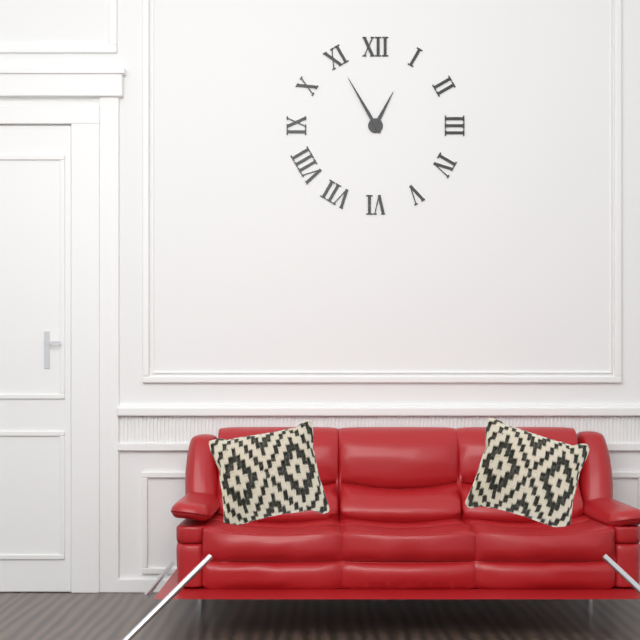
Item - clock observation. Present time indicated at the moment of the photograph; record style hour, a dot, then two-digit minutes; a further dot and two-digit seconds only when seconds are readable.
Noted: 12.55
